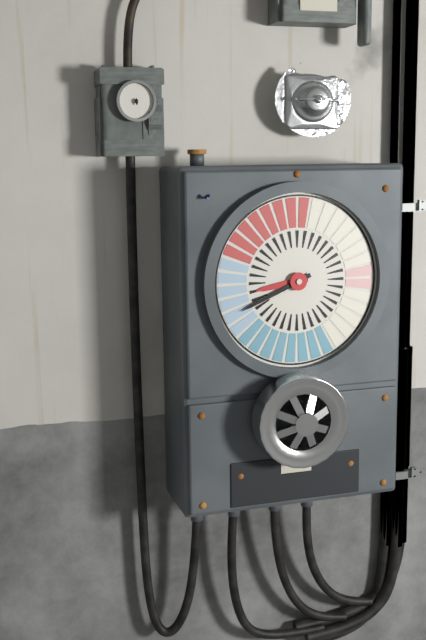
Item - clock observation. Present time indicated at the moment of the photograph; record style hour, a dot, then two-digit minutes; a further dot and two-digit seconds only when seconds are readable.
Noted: 8.41
